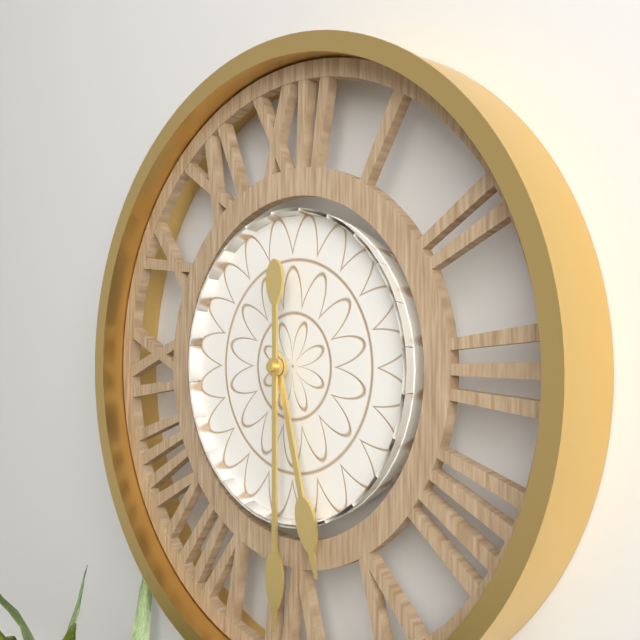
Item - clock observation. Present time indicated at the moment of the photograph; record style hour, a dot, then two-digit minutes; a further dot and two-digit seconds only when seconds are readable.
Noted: 5.30
